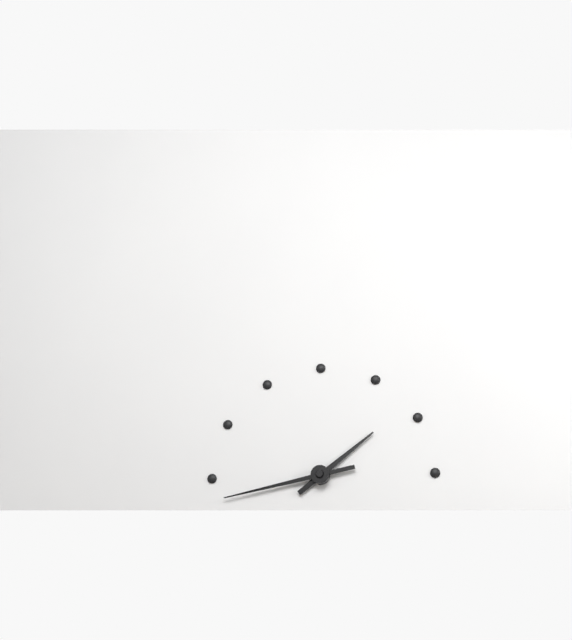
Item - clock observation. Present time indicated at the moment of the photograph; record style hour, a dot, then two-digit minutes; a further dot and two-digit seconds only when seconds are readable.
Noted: 1.43
